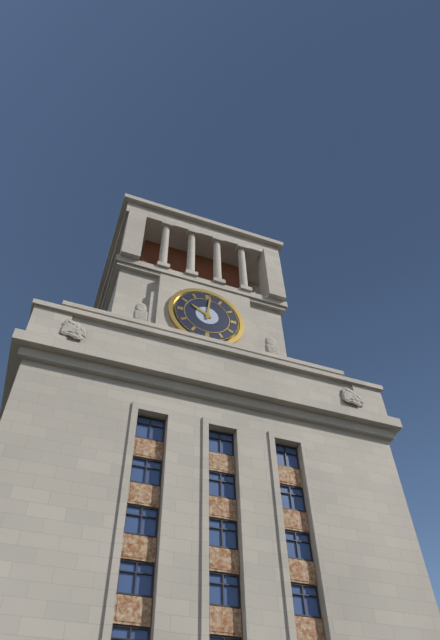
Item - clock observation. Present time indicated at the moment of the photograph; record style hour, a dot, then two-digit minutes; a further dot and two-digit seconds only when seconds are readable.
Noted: 10.01
